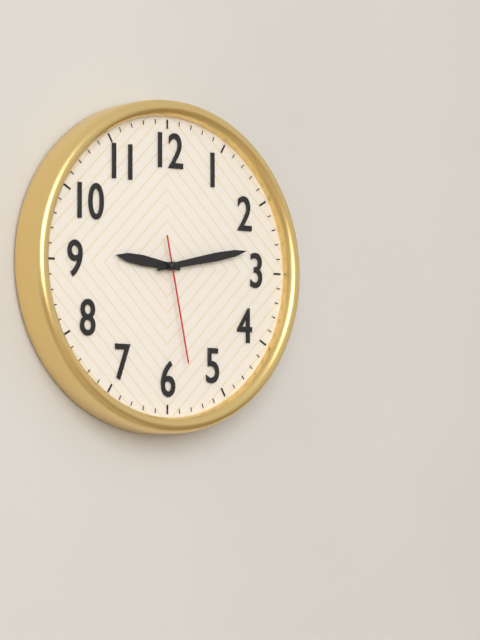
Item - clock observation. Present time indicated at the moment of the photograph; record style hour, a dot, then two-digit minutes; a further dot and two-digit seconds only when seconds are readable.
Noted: 9.13.28
